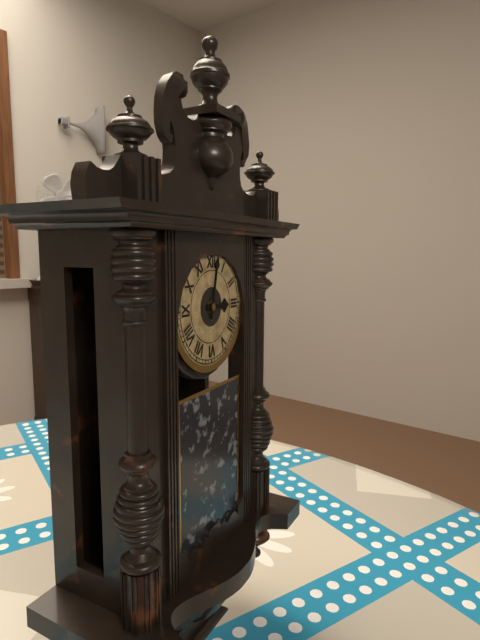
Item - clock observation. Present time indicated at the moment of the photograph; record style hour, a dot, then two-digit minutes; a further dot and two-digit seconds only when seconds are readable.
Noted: 3.02
